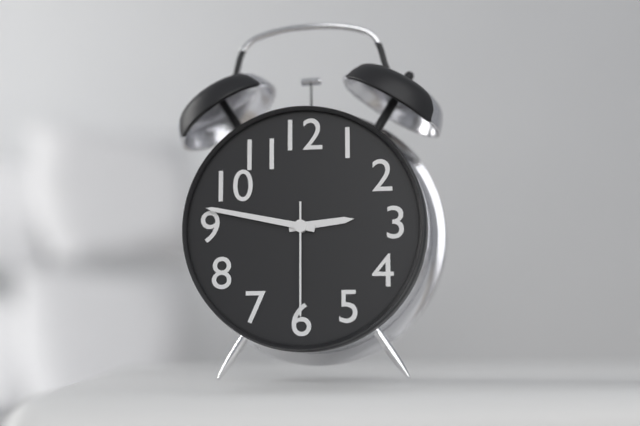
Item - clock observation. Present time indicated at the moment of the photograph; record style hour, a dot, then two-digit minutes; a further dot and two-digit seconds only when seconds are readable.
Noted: 2.47.30
